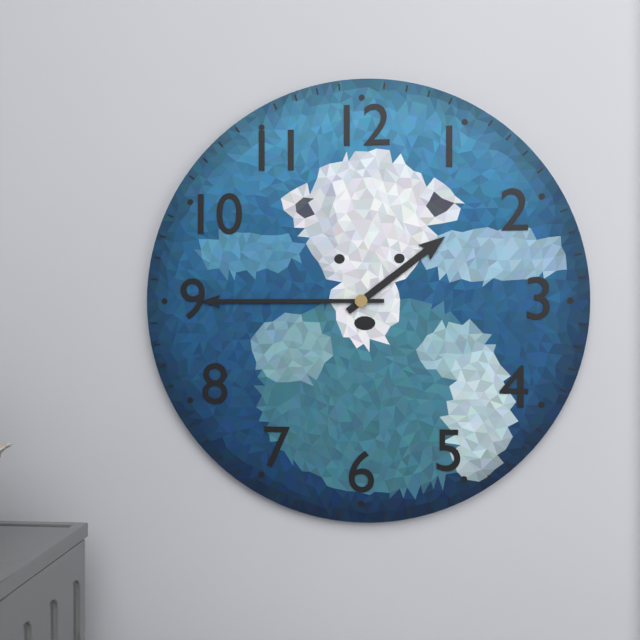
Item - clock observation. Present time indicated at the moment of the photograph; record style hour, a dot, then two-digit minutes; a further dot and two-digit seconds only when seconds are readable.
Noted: 1.45
